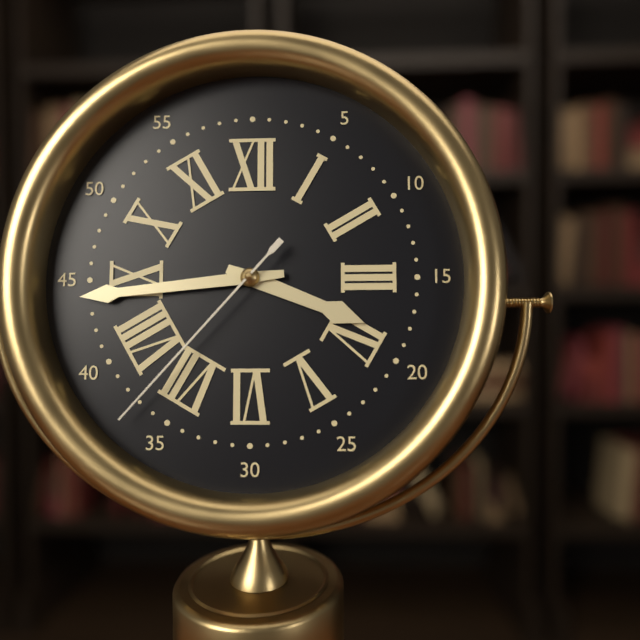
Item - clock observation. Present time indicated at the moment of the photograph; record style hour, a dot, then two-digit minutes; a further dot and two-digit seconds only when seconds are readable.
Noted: 3.44.37
